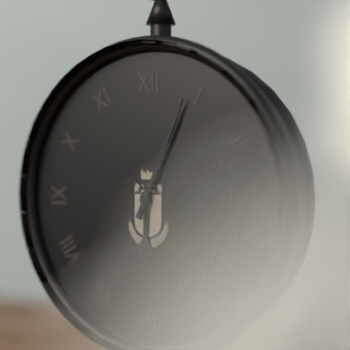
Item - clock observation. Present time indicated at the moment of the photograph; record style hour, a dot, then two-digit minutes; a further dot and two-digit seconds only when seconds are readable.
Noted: 6.04
